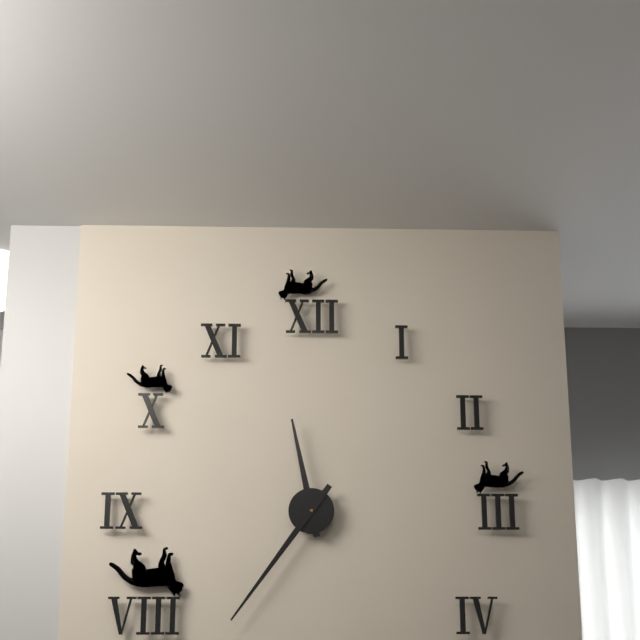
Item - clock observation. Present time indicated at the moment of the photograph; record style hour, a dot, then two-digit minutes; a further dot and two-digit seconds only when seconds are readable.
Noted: 11.36
